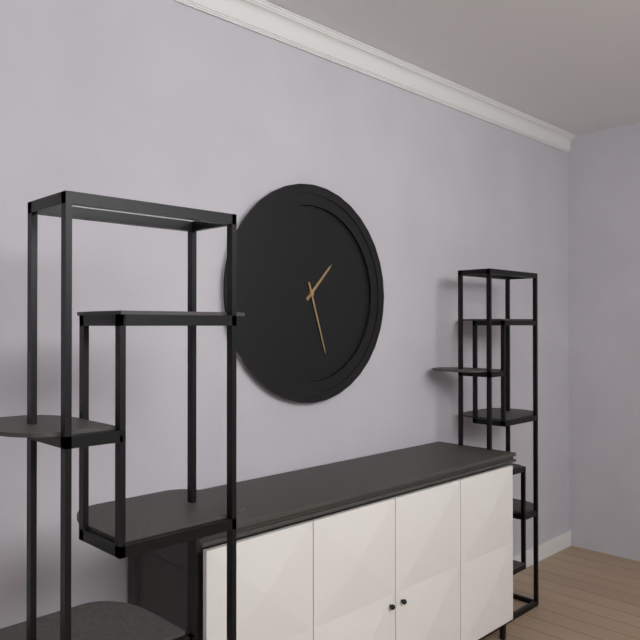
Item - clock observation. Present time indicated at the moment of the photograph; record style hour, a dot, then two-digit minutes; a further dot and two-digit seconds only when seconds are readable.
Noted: 1.27
